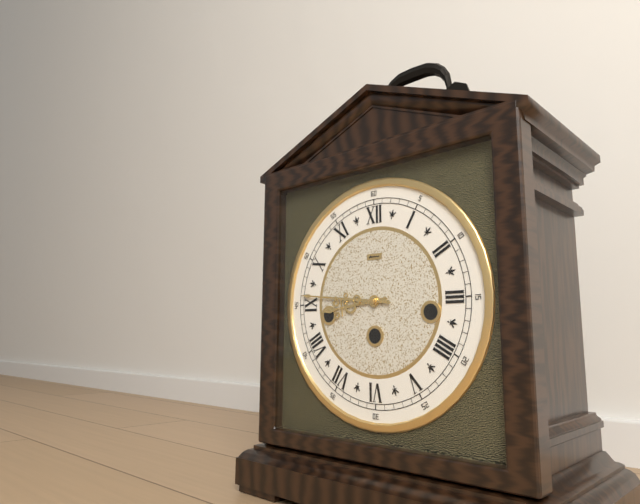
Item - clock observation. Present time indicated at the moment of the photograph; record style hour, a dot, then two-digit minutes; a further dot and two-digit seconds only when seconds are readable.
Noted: 8.46
